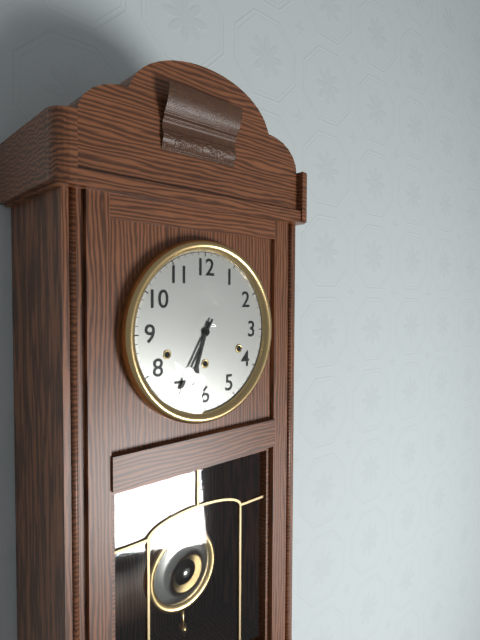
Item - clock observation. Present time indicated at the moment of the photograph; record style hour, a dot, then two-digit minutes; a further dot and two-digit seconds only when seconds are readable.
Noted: 6.35
